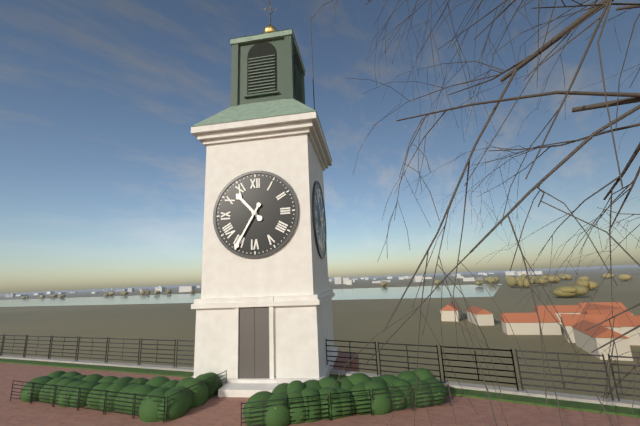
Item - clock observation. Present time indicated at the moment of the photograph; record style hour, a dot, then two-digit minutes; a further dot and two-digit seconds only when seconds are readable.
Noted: 10.35
